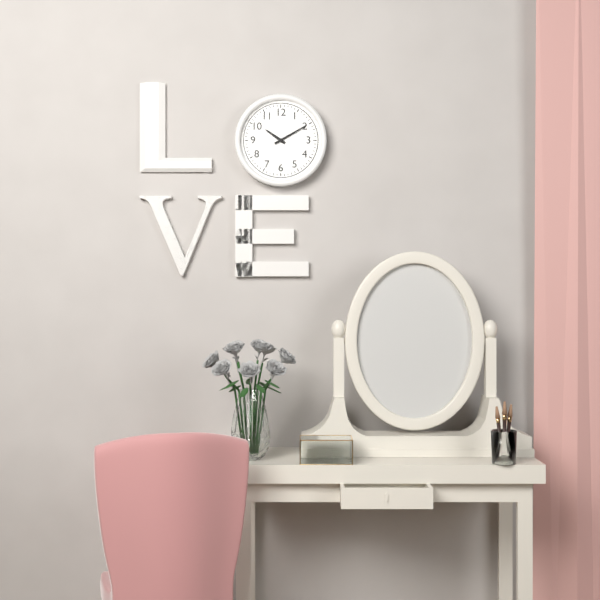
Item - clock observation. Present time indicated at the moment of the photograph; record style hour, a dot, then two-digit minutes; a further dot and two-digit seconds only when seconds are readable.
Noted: 10.10
